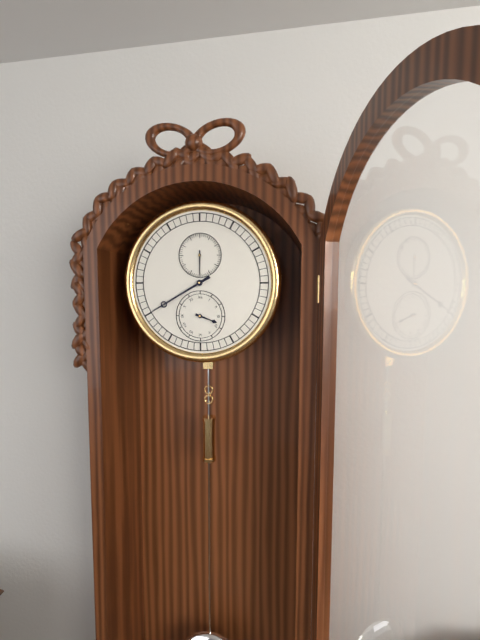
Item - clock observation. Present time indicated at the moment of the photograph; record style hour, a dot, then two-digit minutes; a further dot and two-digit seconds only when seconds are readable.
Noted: 3.40
